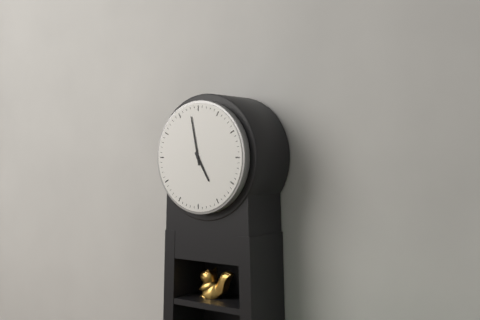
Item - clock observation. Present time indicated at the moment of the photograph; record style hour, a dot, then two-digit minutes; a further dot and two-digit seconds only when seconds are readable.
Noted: 4.58
